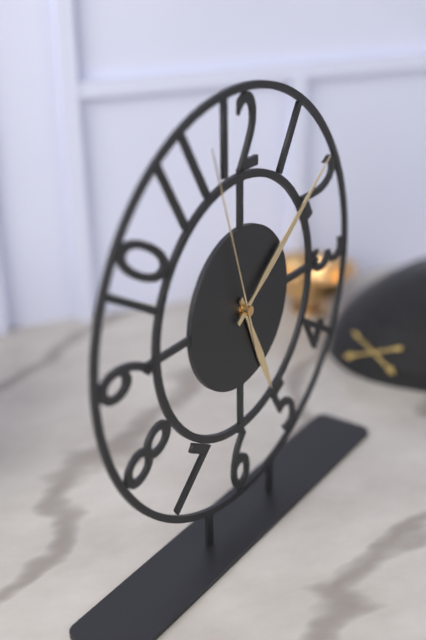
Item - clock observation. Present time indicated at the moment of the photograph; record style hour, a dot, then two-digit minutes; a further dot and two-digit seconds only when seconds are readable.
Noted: 5.09.57
